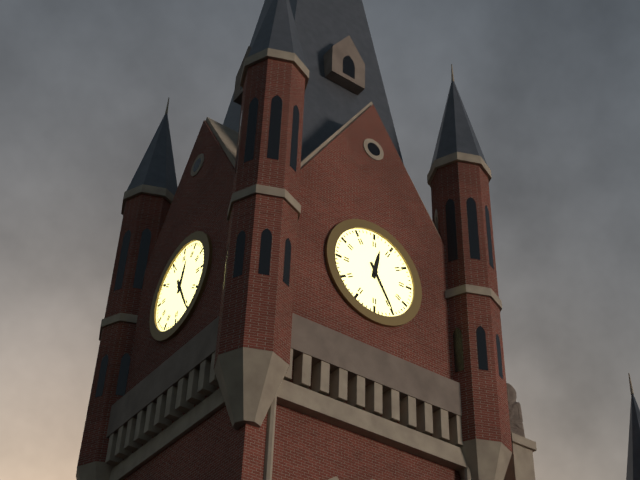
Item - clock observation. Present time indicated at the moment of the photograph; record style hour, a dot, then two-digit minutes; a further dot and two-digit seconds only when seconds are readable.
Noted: 12.25
